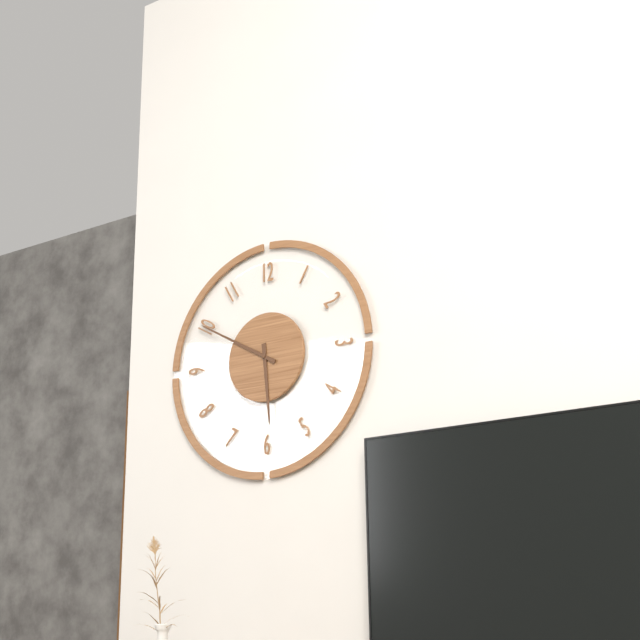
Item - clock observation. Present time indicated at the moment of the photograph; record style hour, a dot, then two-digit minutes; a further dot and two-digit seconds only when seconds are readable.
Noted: 5.50
